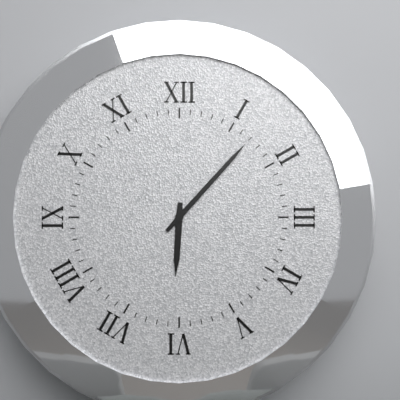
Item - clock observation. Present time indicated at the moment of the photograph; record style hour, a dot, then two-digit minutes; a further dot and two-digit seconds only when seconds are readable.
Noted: 6.07
